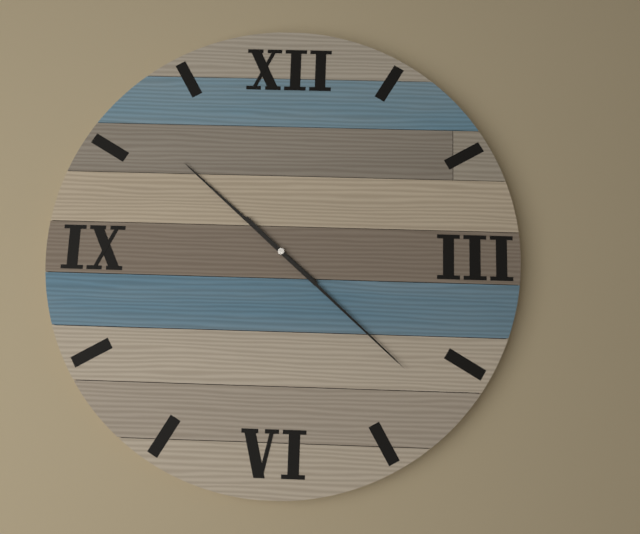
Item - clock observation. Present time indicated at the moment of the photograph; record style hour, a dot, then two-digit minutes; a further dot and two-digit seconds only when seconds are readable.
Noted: 10.22
